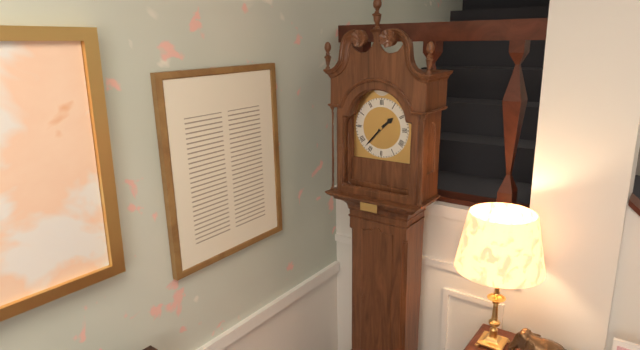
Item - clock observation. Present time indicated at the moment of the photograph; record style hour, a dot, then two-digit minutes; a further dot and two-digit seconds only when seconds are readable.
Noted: 1.37
